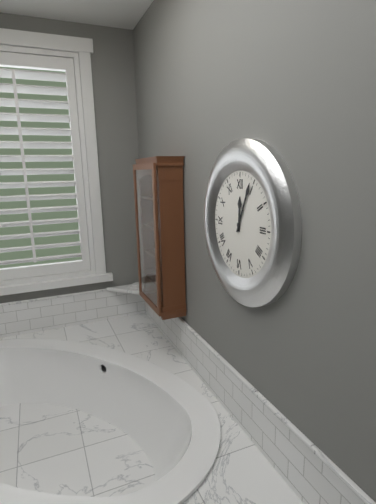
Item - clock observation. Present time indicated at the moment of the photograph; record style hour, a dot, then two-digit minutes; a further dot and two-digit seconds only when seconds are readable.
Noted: 12.04
